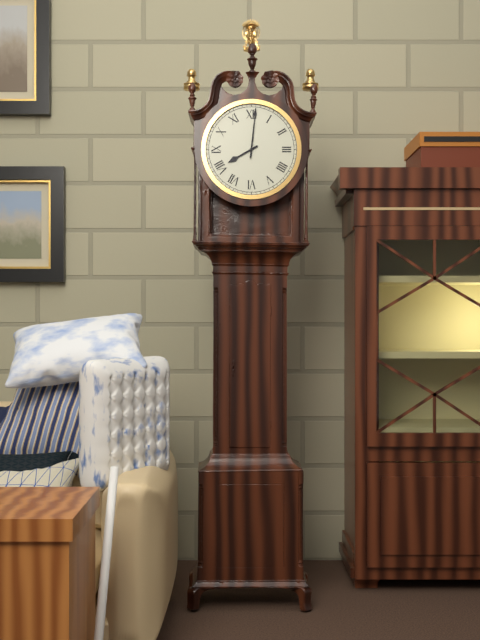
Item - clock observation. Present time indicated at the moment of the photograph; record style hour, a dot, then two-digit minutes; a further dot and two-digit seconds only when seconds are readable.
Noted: 8.01
